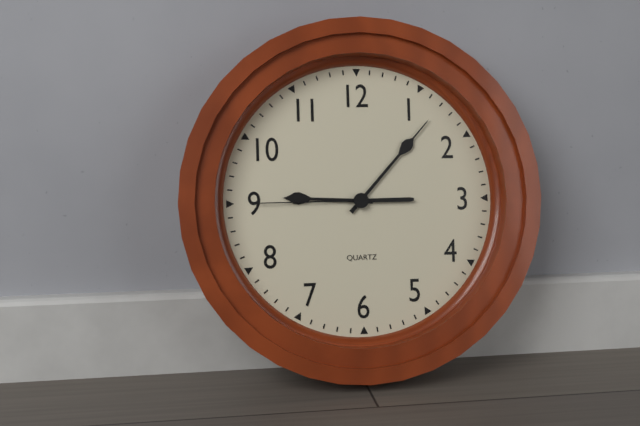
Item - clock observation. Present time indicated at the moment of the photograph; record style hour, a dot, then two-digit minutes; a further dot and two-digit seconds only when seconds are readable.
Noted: 9.07.45
